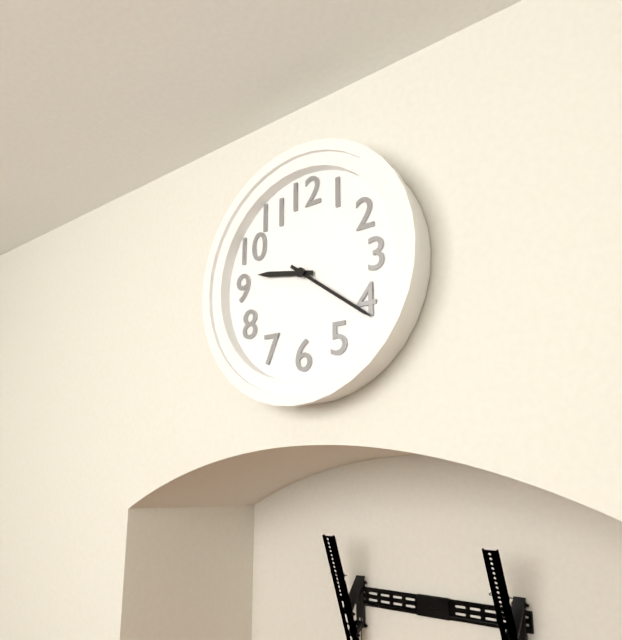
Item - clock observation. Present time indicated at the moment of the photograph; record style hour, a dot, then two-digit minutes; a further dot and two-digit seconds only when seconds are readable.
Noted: 9.21
